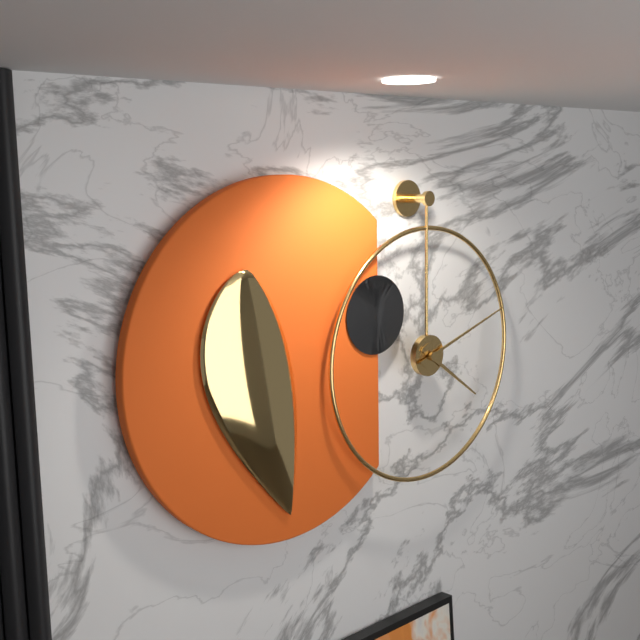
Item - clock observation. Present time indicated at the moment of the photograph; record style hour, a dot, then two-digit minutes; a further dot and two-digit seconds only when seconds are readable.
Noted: 4.12
